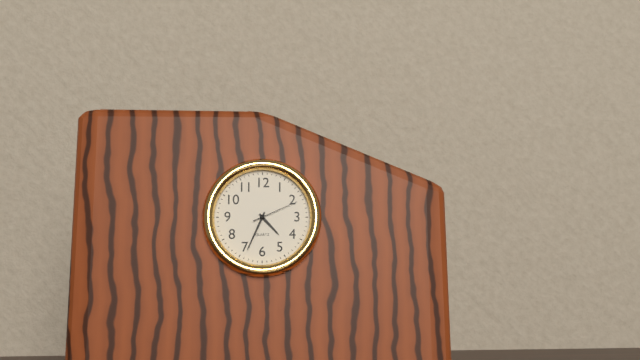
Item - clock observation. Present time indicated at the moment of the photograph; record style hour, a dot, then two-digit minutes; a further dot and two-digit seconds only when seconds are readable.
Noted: 4.34
